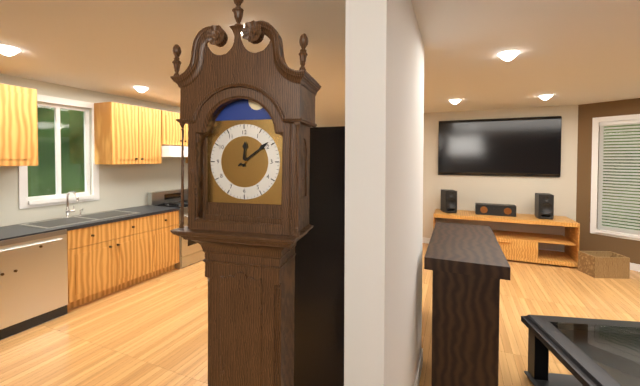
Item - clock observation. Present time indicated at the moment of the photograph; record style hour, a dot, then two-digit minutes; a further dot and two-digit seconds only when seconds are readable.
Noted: 12.09
